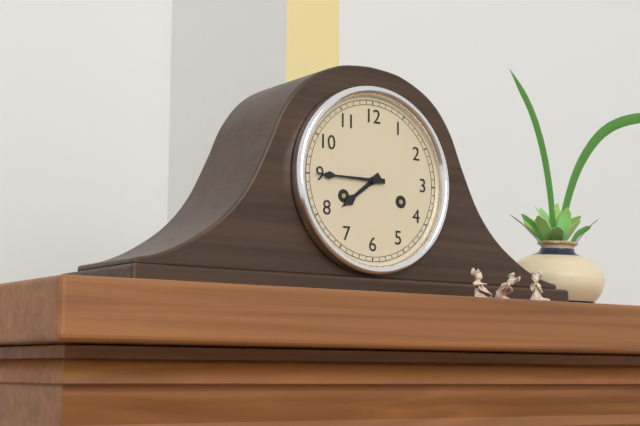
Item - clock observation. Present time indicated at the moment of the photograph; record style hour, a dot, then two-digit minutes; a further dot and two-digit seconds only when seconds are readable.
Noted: 7.45
